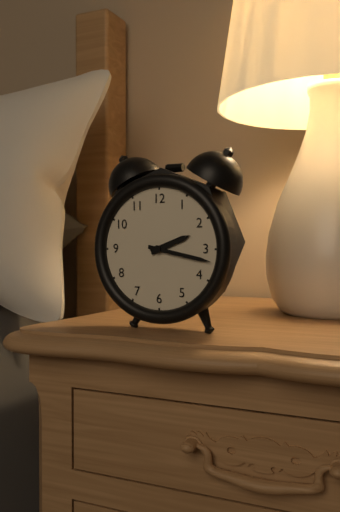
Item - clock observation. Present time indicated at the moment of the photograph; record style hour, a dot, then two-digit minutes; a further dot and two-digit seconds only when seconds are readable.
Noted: 2.17
